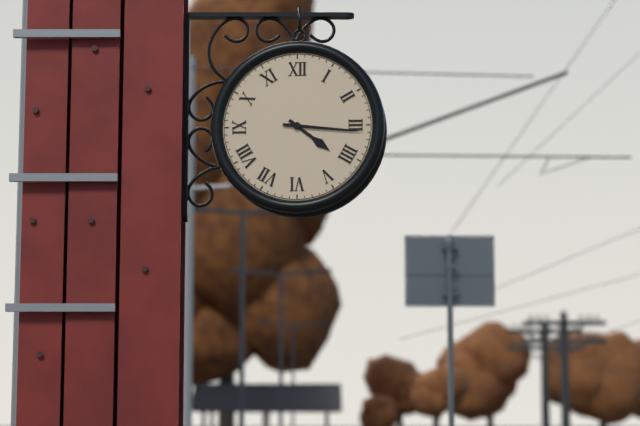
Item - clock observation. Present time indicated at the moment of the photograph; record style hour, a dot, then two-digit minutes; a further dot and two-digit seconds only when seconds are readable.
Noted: 4.16
